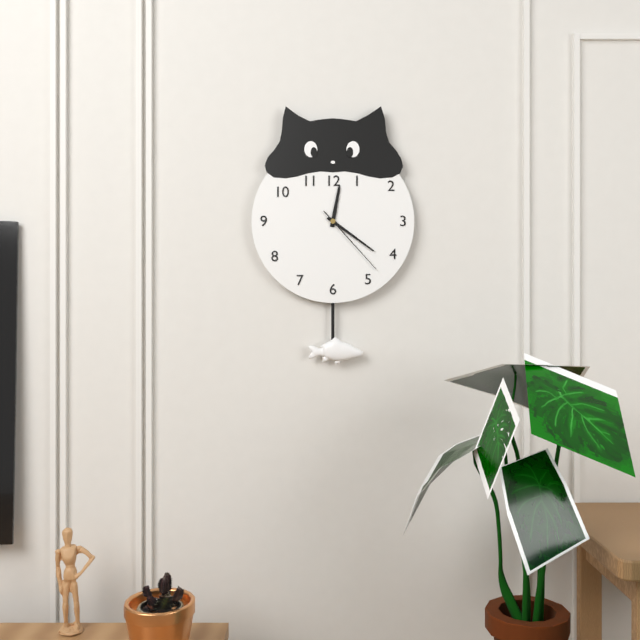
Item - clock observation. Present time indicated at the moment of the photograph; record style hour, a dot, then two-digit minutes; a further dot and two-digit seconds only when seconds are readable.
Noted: 12.21.23
